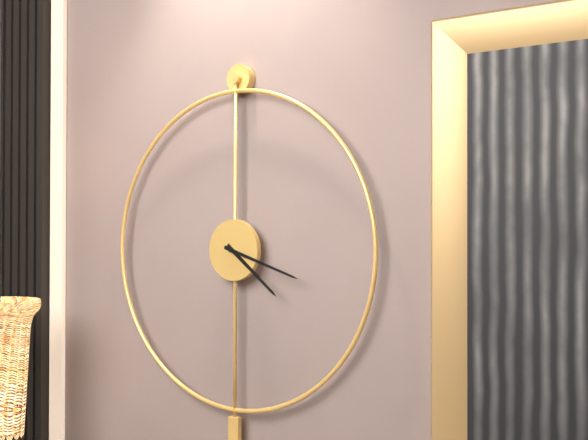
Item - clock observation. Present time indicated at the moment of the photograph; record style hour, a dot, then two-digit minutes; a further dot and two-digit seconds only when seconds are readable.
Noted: 4.18
